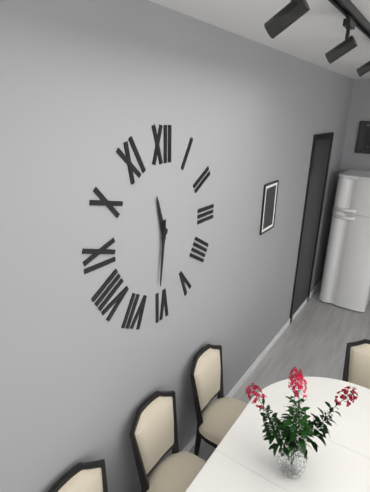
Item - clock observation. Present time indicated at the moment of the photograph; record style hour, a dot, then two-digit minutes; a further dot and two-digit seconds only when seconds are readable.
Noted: 11.31
